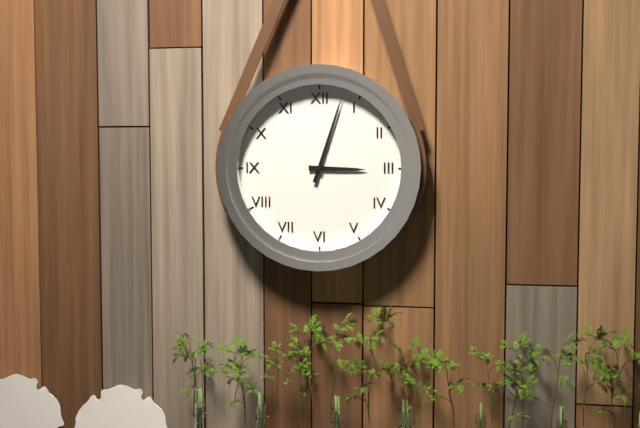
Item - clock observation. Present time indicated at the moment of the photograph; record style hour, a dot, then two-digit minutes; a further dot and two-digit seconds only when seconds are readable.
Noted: 3.03
